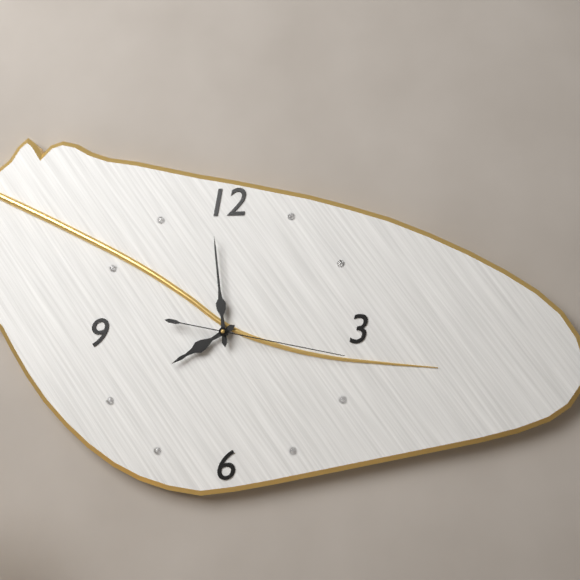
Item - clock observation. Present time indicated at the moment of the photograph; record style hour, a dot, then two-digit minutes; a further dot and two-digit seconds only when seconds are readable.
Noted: 7.59.17
